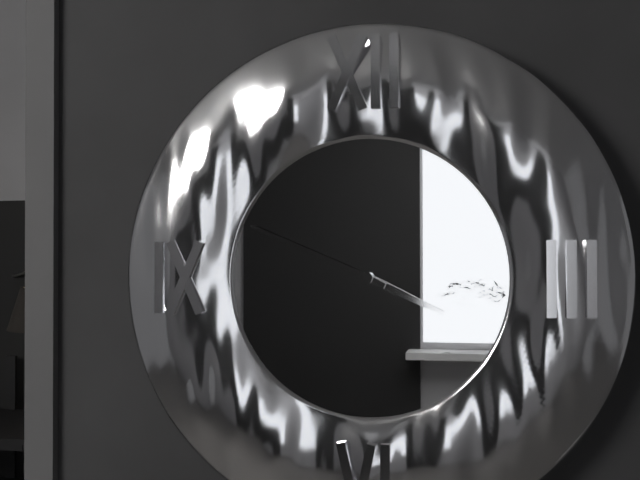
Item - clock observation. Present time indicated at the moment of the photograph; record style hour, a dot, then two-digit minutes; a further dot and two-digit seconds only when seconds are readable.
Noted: 3.49
